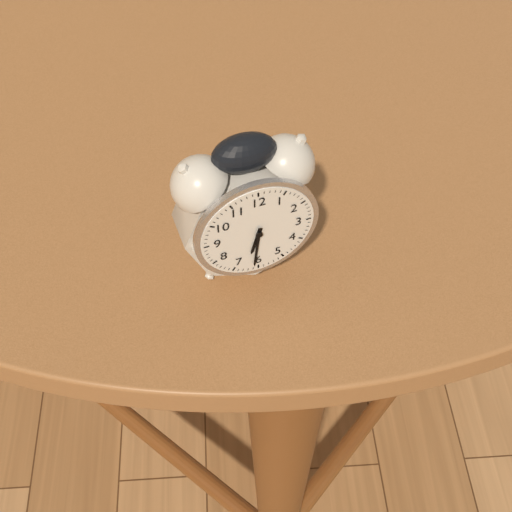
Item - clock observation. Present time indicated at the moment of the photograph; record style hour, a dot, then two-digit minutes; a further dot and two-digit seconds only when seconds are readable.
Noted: 6.31
